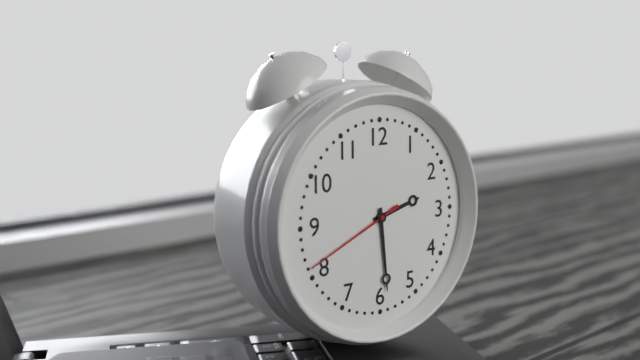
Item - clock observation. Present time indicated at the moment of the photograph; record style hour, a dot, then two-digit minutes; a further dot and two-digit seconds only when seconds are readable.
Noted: 2.29.41
